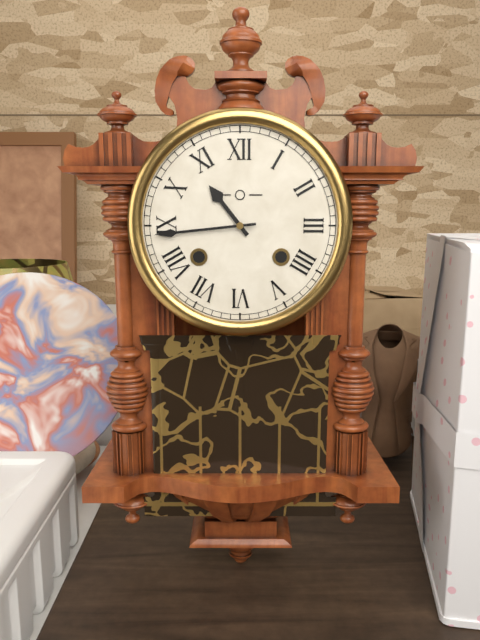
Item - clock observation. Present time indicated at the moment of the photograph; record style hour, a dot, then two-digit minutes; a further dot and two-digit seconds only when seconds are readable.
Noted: 10.44
